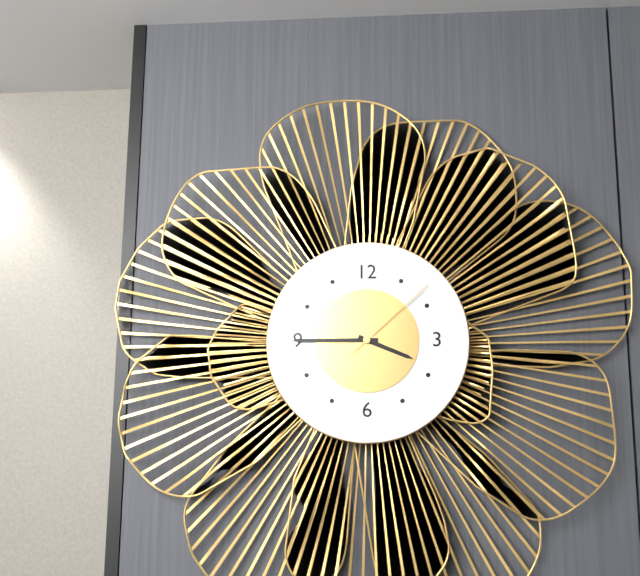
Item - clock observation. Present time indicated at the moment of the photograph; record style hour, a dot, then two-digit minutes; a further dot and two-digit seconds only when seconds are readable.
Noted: 3.45.08
